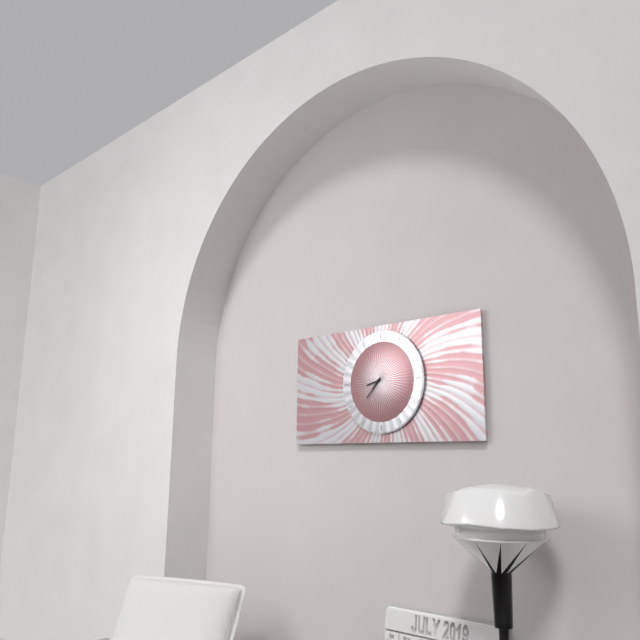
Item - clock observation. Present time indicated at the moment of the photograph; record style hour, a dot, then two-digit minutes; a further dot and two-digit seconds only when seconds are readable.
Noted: 8.37
